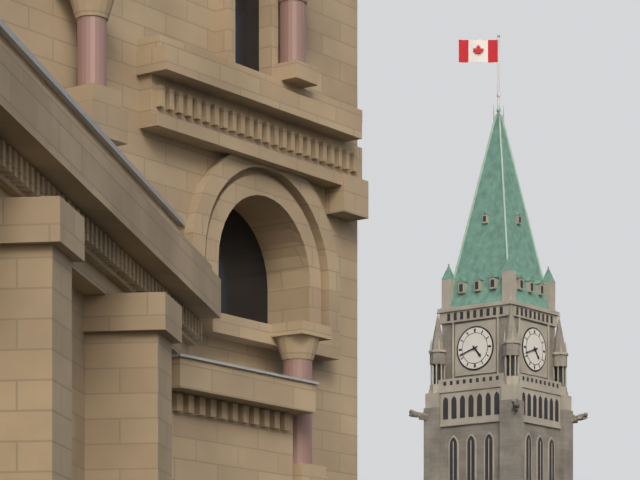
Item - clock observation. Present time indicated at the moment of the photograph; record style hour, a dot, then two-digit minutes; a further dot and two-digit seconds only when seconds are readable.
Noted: 4.42
